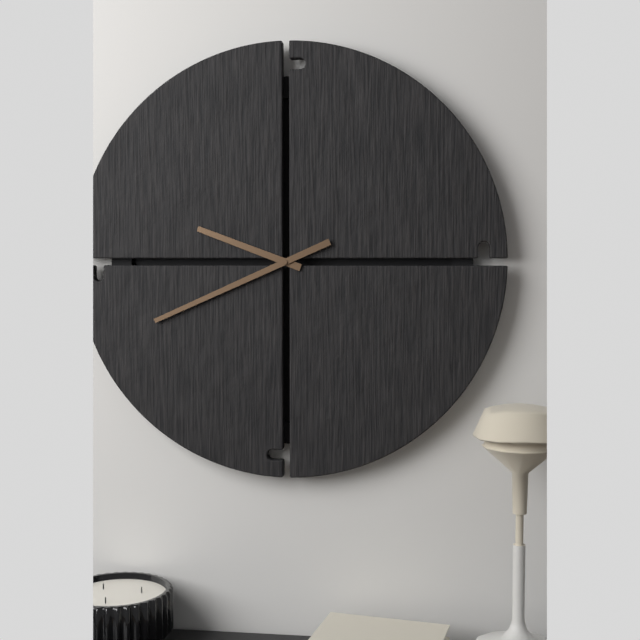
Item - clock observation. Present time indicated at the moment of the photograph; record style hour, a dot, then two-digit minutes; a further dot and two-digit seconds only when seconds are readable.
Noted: 9.41
